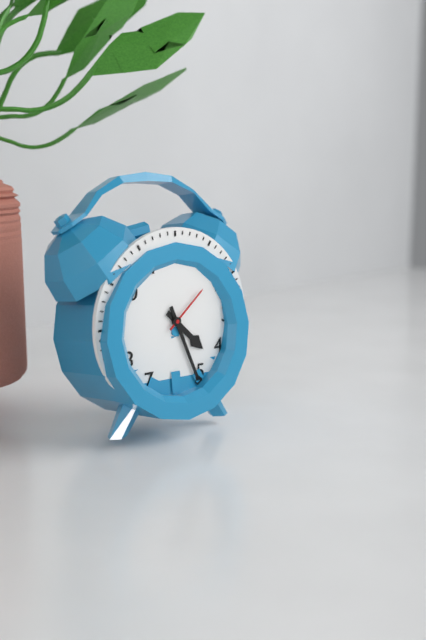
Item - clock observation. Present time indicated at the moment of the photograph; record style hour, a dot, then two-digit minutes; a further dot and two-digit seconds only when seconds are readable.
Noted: 4.26.08
